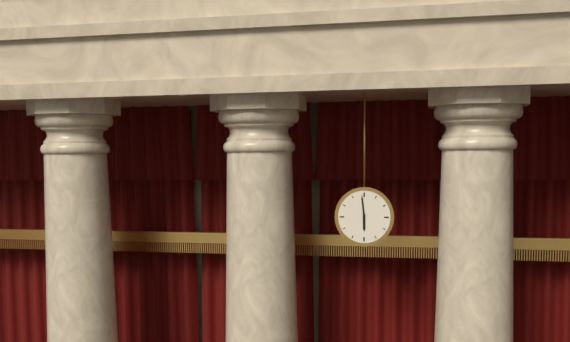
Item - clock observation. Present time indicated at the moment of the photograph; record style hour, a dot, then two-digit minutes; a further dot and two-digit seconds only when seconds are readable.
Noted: 5.59
